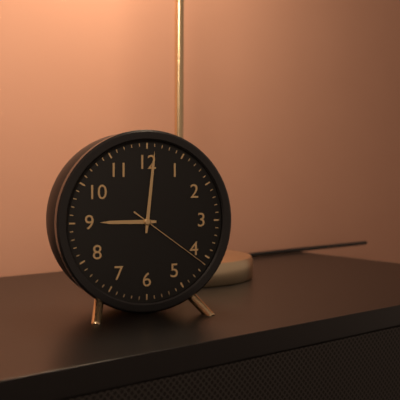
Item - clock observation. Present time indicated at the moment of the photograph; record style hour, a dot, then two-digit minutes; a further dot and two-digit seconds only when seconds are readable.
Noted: 9.01.21
